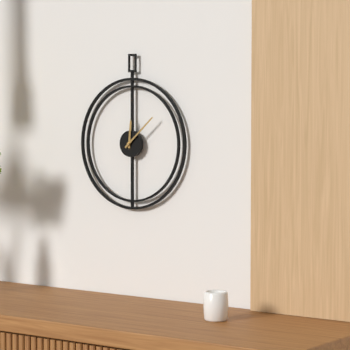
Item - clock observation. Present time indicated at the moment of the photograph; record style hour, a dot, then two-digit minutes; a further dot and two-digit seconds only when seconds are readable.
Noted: 12.08
